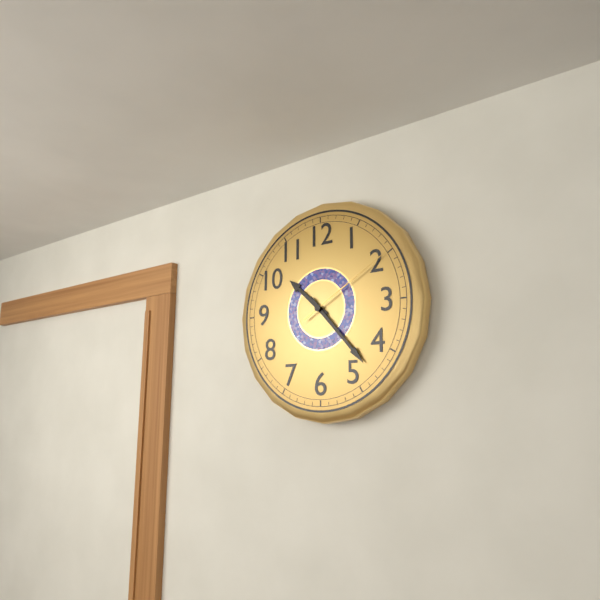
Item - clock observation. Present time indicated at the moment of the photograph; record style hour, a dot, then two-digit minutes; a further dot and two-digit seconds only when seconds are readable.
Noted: 10.23.10
